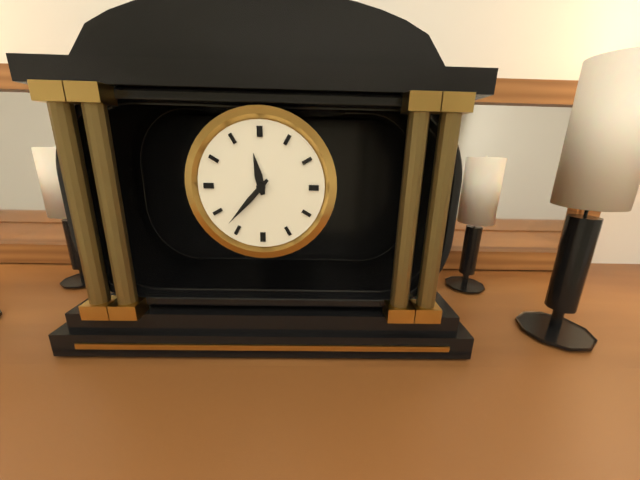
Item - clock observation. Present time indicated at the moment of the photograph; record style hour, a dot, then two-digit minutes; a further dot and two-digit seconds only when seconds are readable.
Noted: 11.37
